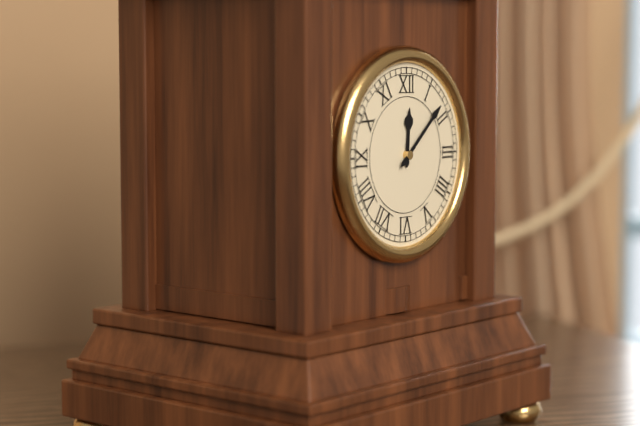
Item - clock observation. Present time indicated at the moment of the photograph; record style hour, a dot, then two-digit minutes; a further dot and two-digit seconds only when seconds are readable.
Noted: 12.08
